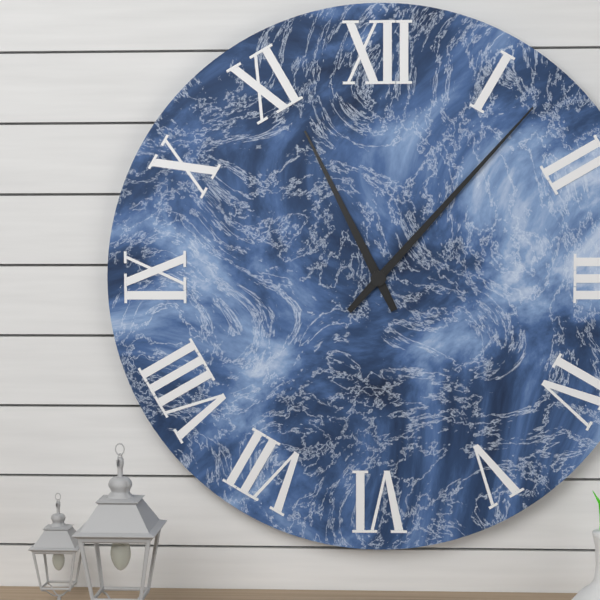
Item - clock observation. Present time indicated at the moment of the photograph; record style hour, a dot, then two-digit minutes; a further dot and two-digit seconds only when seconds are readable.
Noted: 11.07
